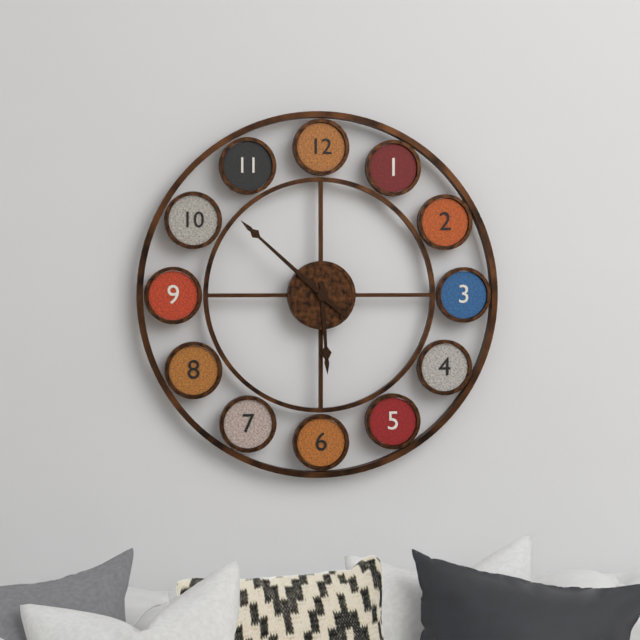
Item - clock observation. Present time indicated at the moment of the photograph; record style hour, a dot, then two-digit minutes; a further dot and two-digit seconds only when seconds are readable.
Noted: 5.52
